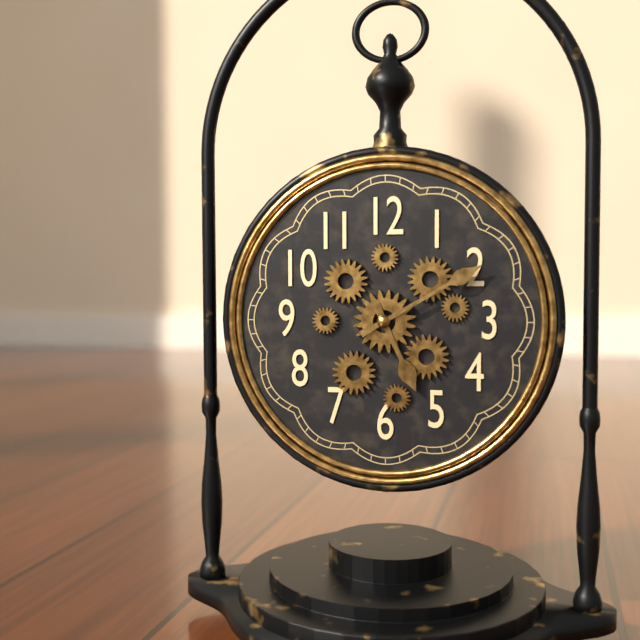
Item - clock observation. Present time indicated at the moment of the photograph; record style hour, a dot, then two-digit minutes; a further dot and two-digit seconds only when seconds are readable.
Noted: 5.10
